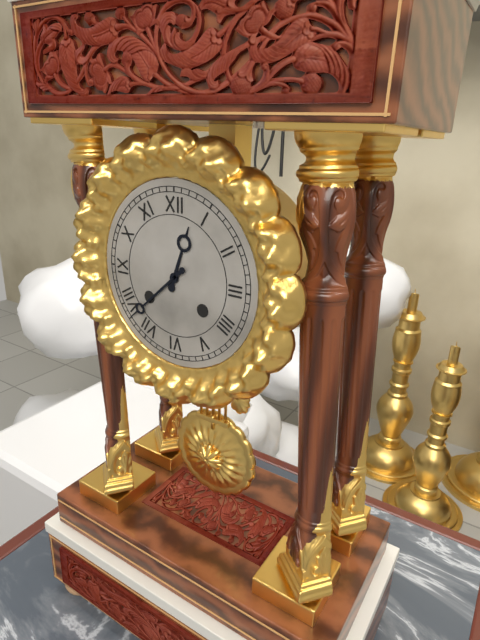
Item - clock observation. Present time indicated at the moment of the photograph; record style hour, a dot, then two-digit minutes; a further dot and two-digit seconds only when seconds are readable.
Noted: 12.38
